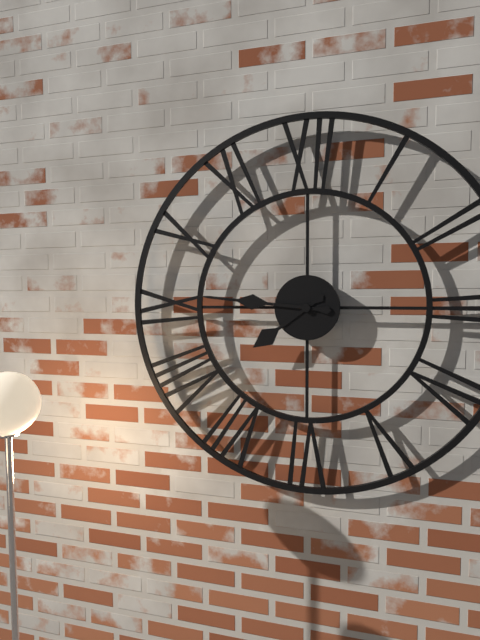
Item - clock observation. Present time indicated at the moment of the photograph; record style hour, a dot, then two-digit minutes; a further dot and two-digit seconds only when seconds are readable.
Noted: 7.46
